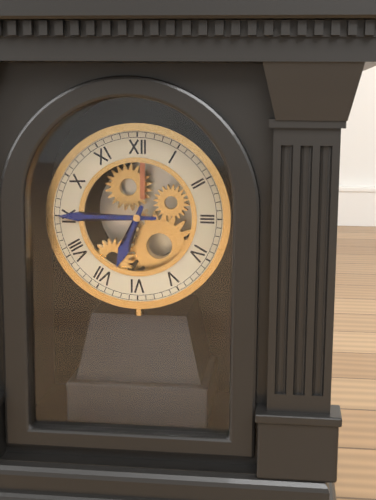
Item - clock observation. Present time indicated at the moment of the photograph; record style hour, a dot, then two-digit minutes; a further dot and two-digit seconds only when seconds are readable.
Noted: 6.45
